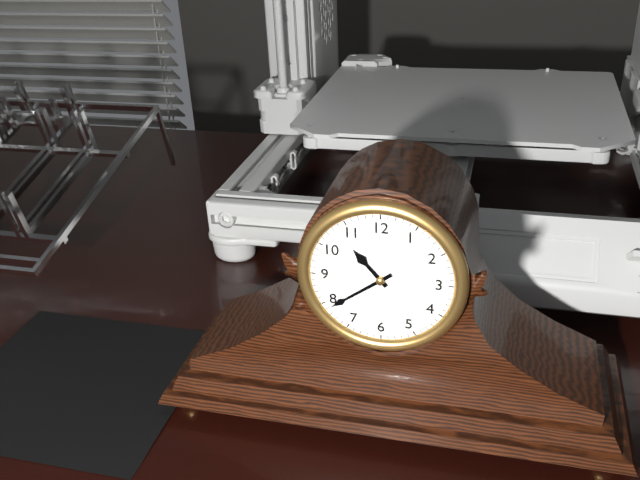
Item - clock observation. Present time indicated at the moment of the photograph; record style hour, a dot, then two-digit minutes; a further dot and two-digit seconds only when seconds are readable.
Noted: 10.39
